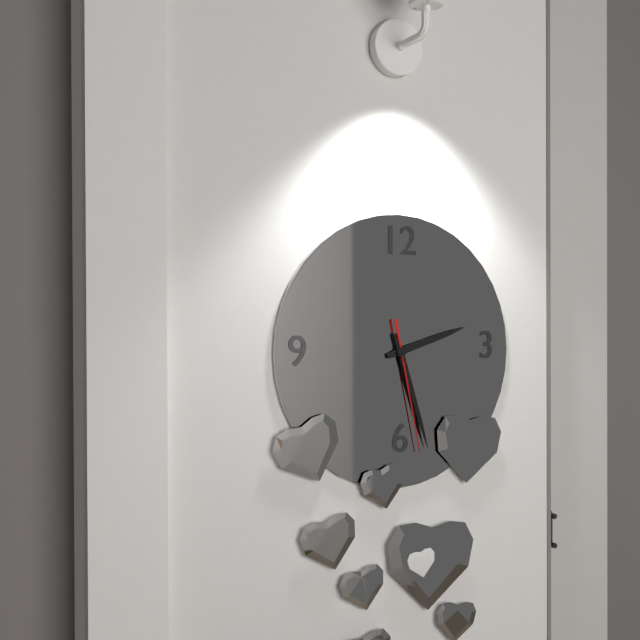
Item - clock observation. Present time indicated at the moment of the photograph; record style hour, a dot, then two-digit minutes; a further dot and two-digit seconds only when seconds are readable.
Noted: 2.27.28
